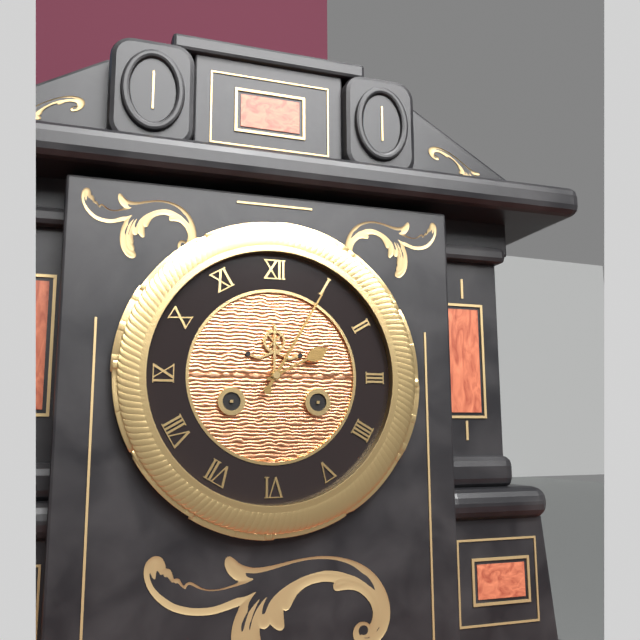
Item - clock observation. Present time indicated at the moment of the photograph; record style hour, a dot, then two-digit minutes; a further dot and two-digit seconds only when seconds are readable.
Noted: 2.05
